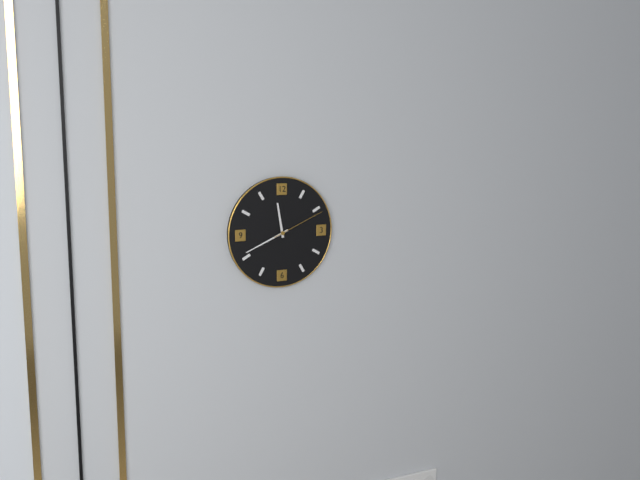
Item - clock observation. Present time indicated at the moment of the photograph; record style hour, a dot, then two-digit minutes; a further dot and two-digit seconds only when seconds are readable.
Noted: 11.41.11
